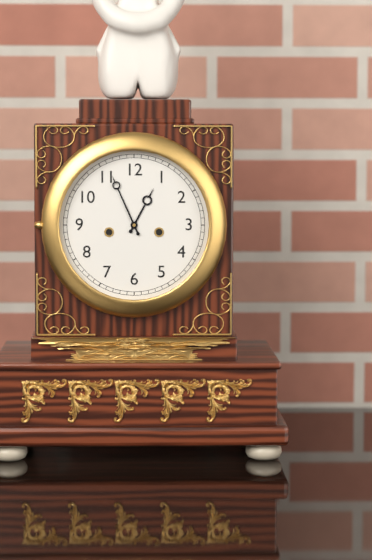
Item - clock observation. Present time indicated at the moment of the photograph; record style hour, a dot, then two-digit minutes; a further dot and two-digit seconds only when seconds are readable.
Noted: 12.56
